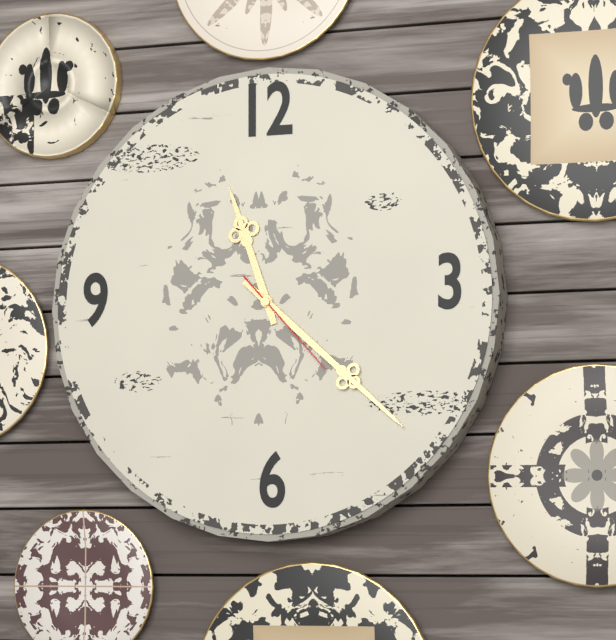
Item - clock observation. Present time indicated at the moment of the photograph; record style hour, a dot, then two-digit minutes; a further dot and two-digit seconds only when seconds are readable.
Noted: 11.22.23
